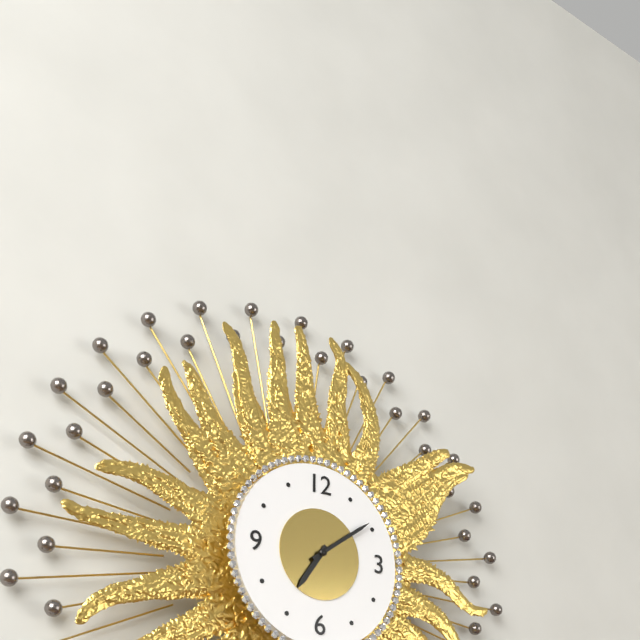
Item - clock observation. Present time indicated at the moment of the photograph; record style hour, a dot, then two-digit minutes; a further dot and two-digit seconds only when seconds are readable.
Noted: 7.09
